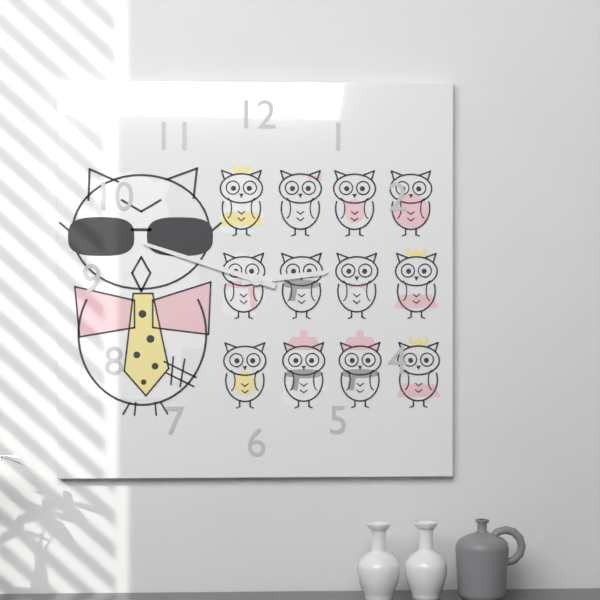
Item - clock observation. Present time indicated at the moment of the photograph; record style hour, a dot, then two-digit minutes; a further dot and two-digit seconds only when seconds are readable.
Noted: 2.48
